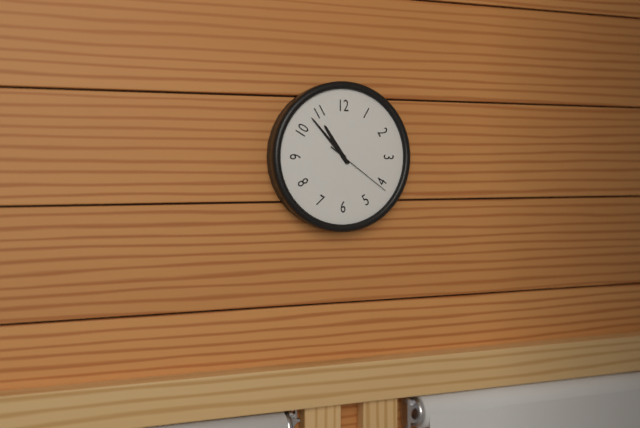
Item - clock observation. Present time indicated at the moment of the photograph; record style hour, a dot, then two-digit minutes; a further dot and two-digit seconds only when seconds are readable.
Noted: 10.53.21
